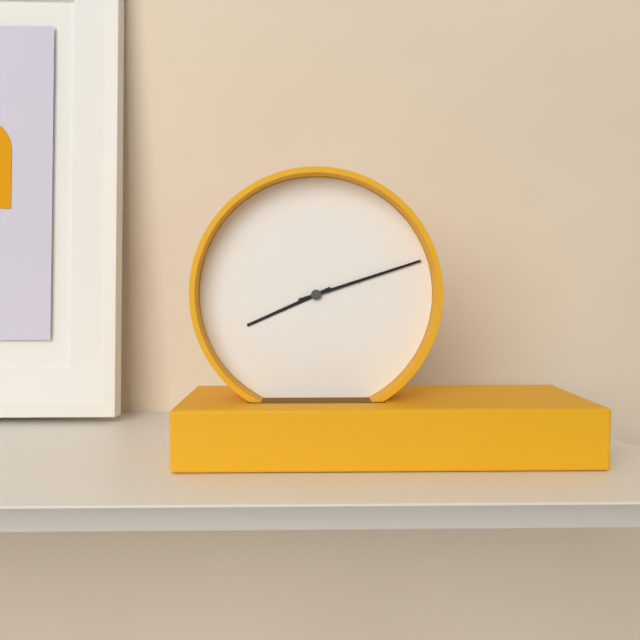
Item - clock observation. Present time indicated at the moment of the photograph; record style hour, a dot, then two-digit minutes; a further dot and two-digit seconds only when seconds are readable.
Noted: 8.12
